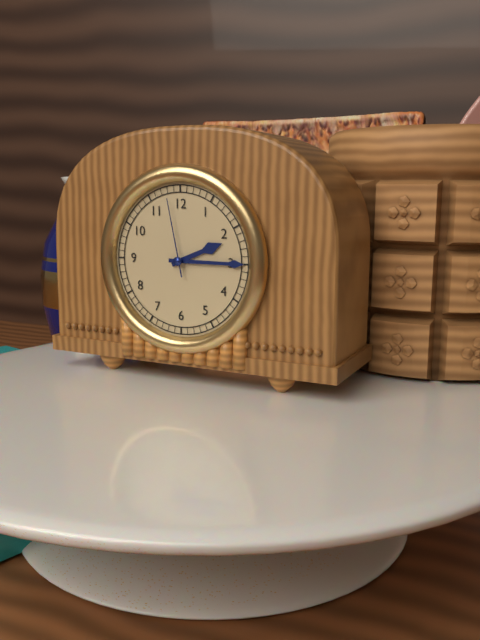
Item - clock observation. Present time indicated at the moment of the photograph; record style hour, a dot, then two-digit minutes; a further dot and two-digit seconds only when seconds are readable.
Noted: 2.15.58
